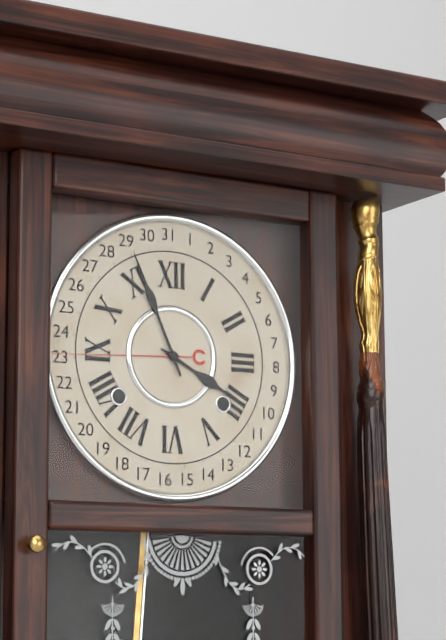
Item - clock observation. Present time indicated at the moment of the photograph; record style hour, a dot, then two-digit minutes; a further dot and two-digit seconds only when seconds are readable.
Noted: 3.56
